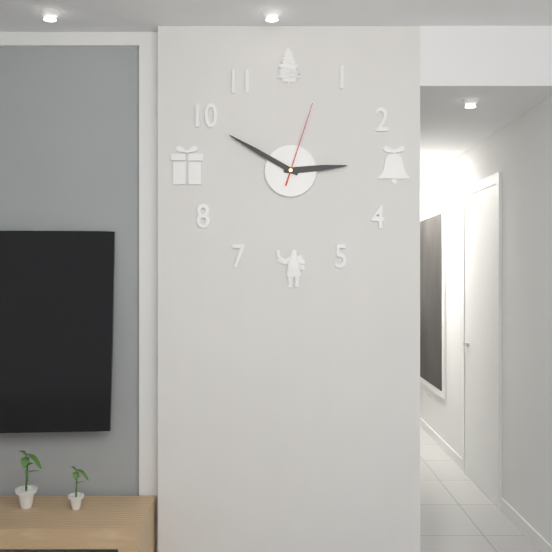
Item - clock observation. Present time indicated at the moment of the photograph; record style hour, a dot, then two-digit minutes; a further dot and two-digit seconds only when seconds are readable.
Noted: 2.50.03
